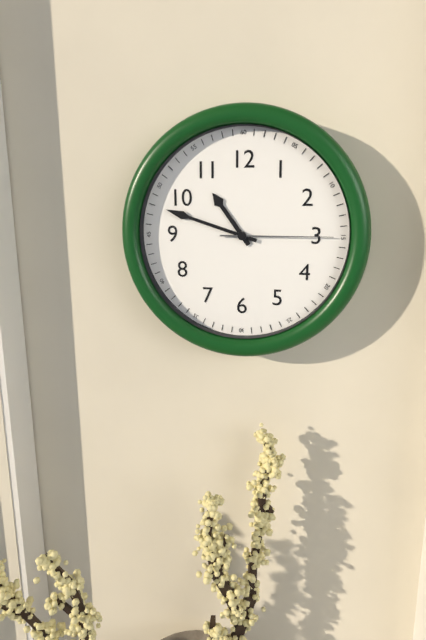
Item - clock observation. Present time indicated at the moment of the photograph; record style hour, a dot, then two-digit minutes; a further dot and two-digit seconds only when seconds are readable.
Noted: 10.48.15
